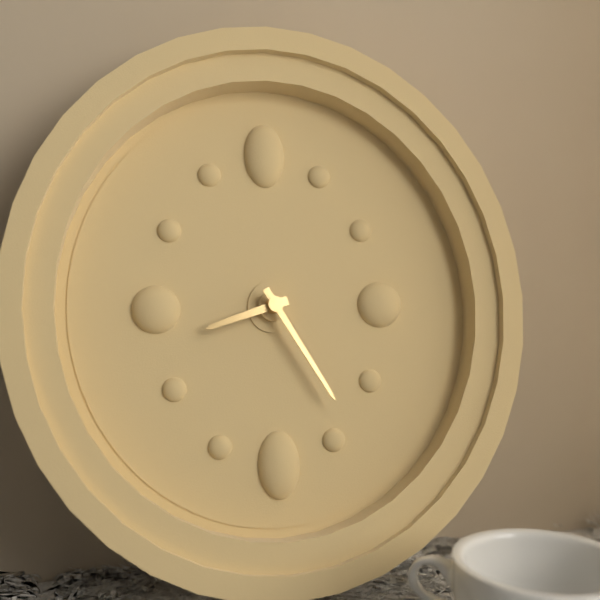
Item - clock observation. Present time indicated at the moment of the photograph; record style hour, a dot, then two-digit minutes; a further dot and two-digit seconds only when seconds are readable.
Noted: 8.25
